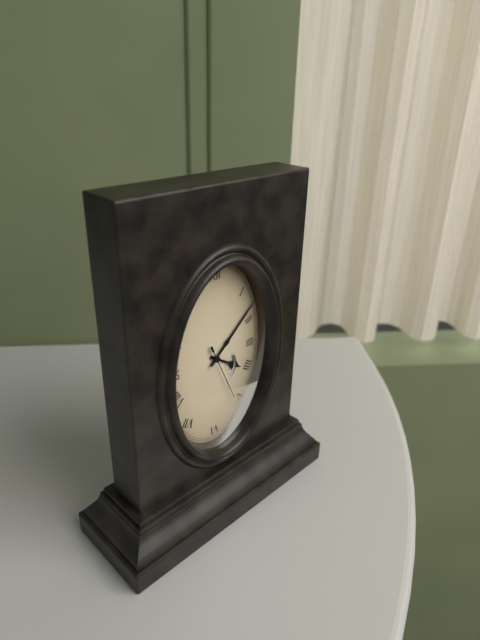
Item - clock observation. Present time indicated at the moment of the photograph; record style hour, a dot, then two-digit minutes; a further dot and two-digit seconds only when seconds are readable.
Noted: 4.08.26
